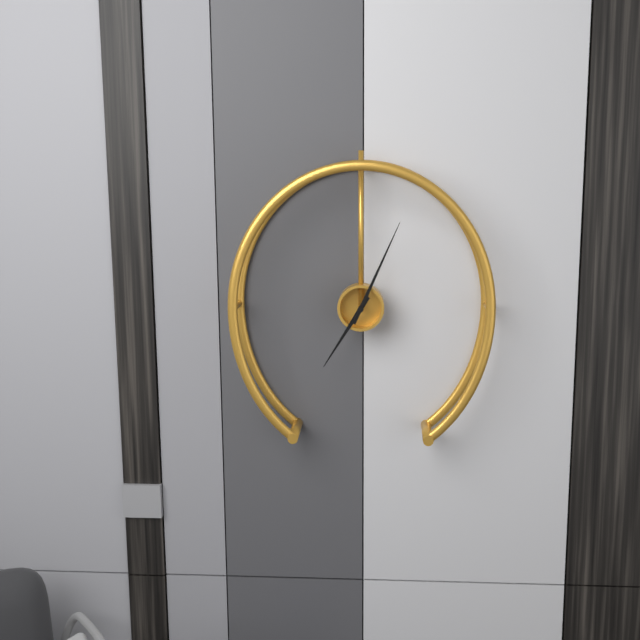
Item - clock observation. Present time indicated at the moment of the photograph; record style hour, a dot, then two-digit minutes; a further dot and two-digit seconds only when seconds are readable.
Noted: 7.04
